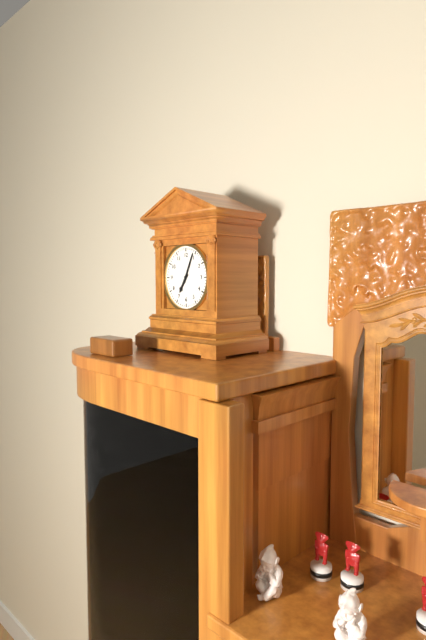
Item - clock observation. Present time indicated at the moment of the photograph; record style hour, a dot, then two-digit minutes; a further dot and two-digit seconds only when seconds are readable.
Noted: 7.04
